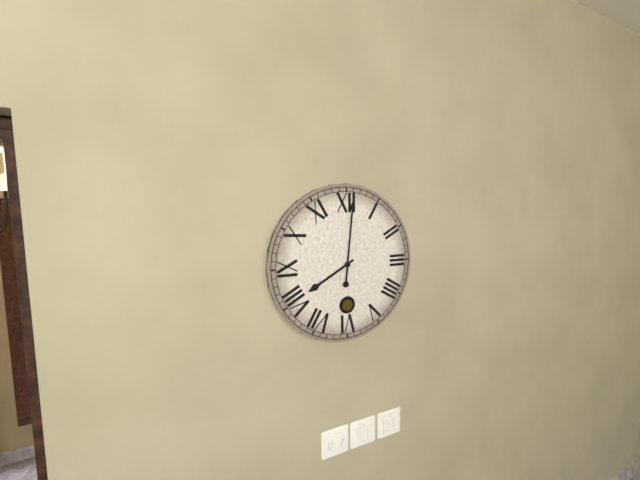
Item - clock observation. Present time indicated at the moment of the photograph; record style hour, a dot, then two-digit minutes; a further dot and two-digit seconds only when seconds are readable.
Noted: 8.01
